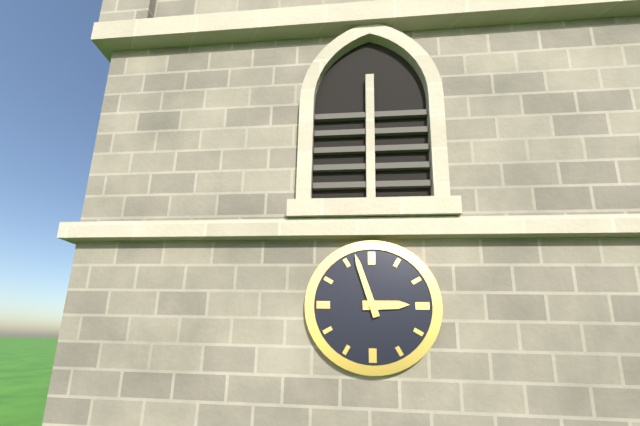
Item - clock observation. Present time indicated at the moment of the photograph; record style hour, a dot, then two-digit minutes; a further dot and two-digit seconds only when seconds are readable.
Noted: 2.57
